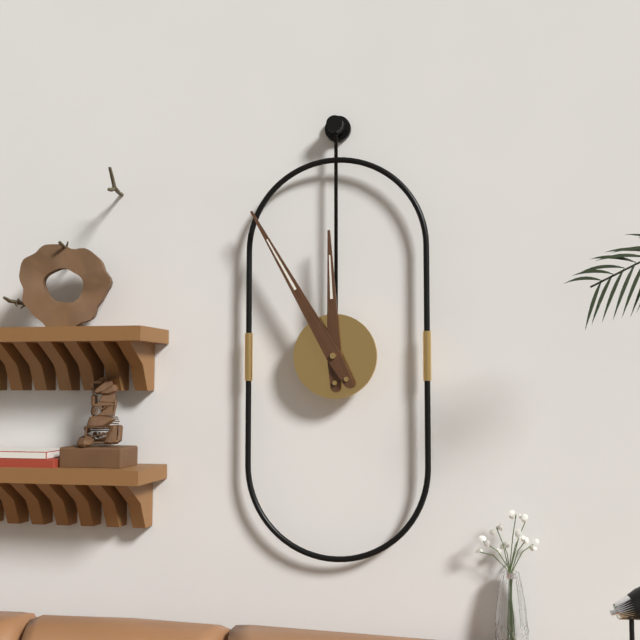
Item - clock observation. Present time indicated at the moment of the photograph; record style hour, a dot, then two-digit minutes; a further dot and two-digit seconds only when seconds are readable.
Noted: 11.55
